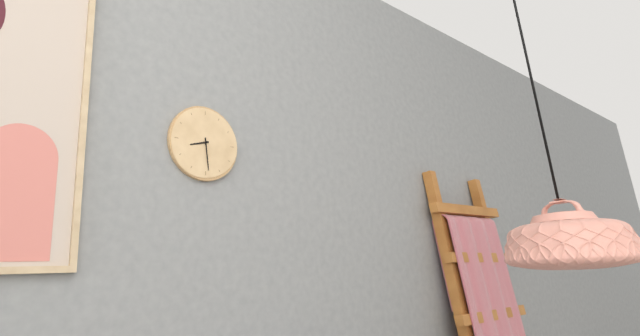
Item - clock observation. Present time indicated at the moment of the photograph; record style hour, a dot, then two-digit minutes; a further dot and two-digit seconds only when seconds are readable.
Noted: 8.29
